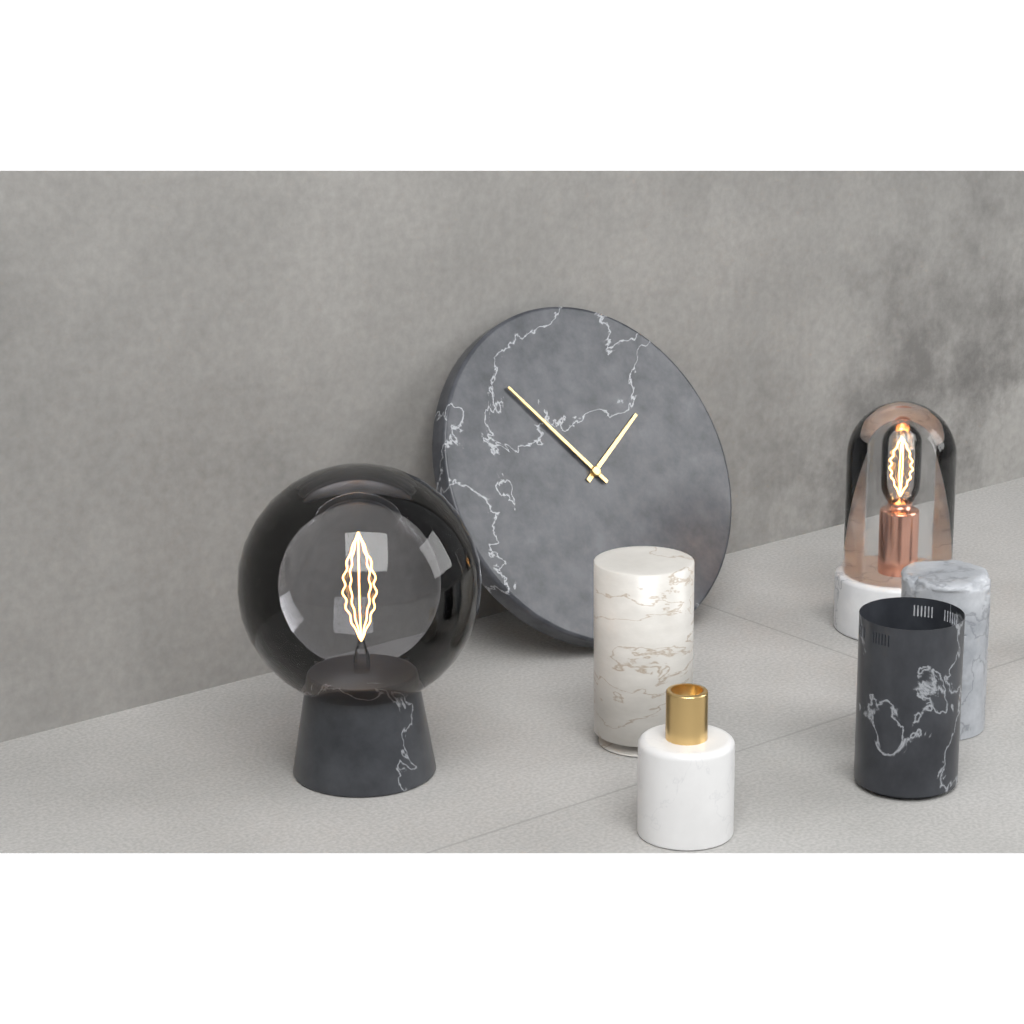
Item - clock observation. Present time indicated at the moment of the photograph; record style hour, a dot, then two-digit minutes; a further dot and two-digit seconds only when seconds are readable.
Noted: 1.54
